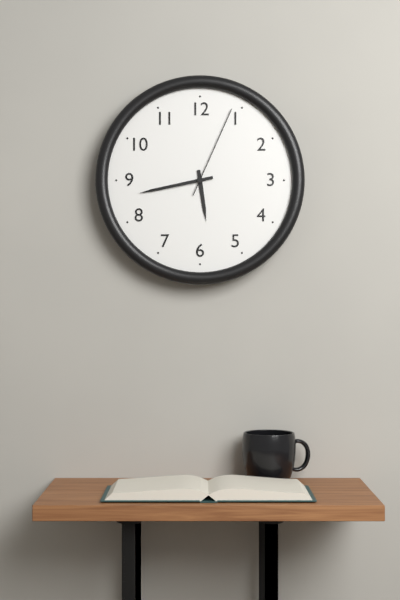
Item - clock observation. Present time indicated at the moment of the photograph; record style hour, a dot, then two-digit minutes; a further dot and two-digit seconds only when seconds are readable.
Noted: 5.43.04
